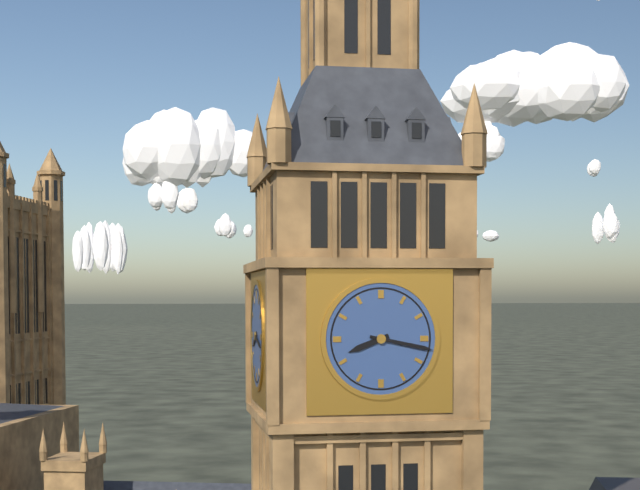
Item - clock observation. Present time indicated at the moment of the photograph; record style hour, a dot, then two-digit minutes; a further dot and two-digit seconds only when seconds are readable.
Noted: 8.17
